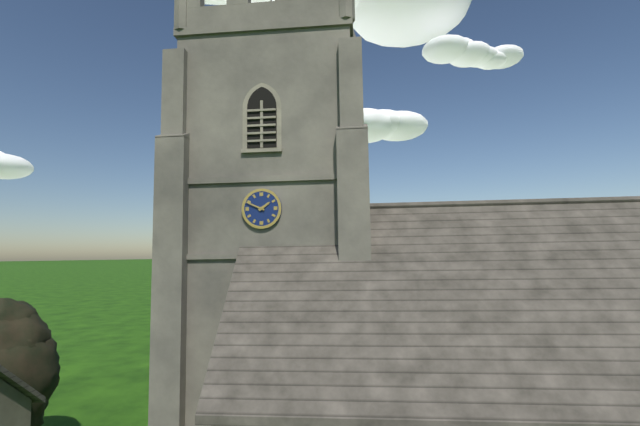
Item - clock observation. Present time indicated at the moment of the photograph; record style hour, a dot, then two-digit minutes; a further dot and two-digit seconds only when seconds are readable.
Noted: 1.49
